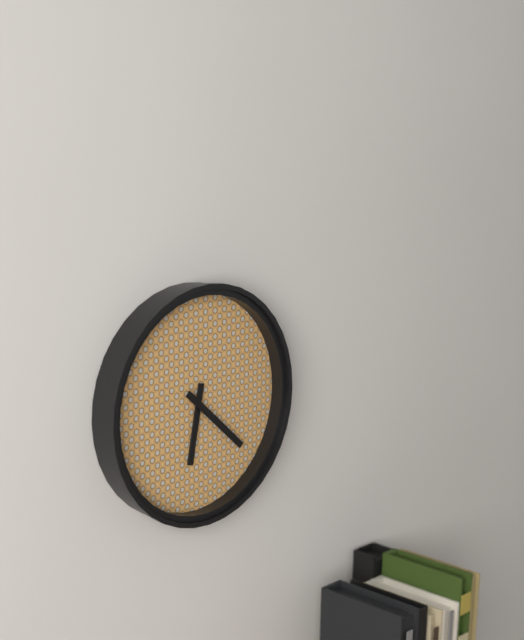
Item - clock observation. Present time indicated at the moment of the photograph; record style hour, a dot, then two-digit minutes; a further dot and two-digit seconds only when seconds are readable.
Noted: 6.22
